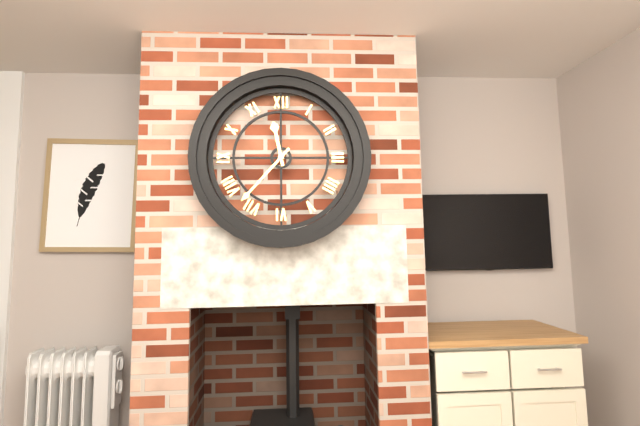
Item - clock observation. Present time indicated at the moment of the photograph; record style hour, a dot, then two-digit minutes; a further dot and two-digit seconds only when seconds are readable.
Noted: 11.37
